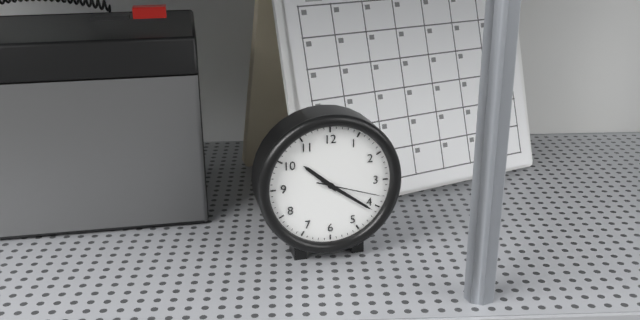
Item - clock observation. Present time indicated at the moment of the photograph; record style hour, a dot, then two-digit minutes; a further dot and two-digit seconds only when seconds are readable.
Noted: 10.21.18
